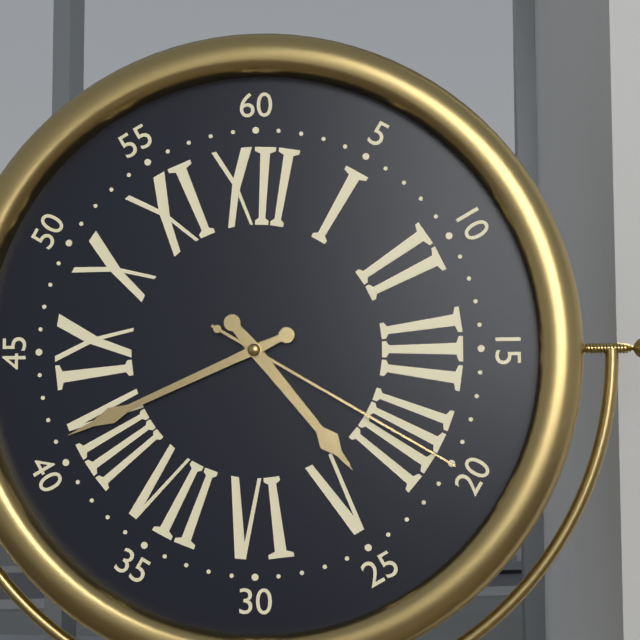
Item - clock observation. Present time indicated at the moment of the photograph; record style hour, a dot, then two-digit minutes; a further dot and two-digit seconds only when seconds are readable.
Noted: 4.41.20
